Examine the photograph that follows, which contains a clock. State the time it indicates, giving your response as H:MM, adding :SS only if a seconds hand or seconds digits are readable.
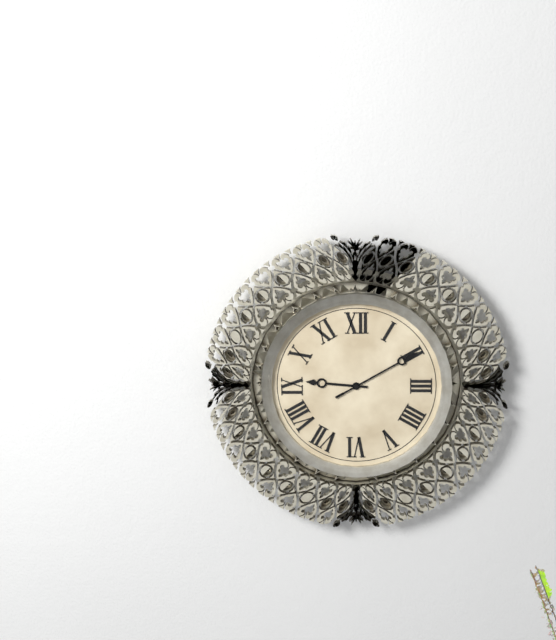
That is 9:10
